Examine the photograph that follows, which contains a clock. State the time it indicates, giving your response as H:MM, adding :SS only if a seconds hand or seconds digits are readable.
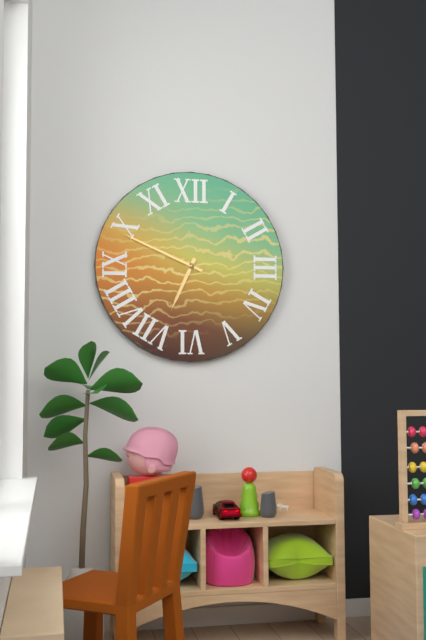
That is 6:49
